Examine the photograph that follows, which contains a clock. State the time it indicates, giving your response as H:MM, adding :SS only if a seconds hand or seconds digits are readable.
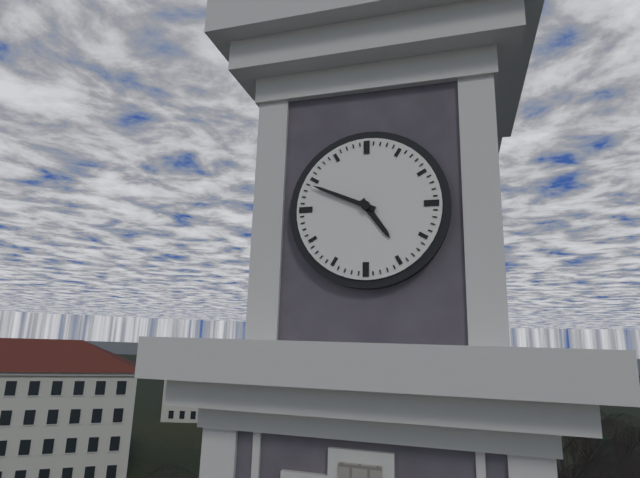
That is 4:49
